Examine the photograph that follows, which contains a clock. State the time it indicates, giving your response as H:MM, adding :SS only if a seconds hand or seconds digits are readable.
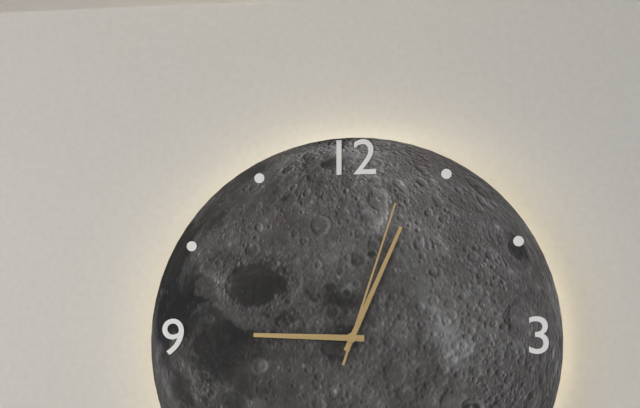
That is 9:04:03
